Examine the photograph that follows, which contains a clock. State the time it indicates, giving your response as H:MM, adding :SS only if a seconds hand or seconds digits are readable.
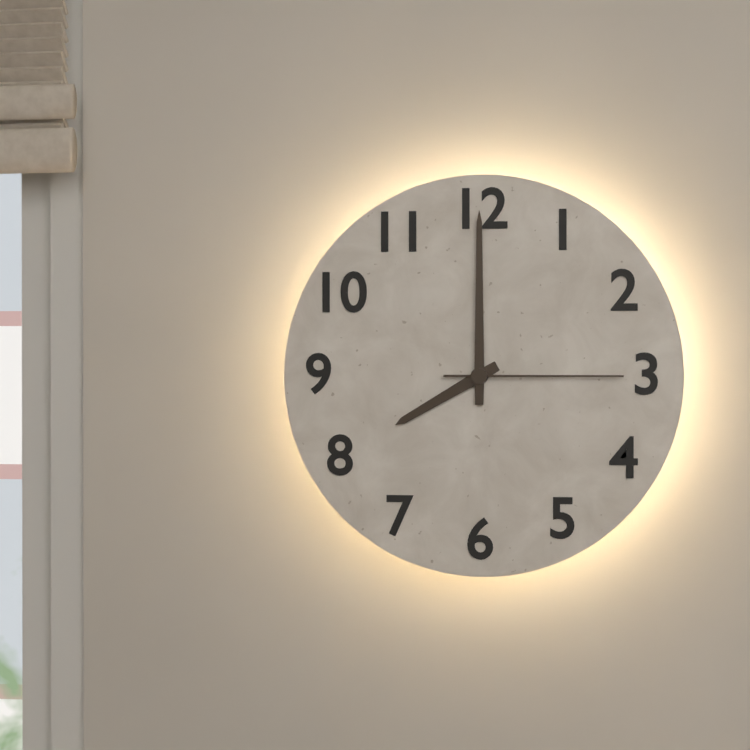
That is 8:00:15
